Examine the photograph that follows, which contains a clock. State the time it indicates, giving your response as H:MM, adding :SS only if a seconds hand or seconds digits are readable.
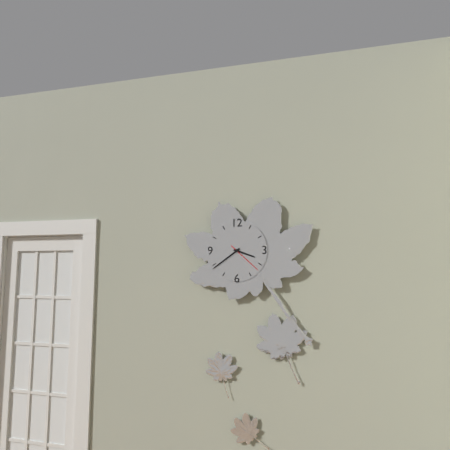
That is 3:39
